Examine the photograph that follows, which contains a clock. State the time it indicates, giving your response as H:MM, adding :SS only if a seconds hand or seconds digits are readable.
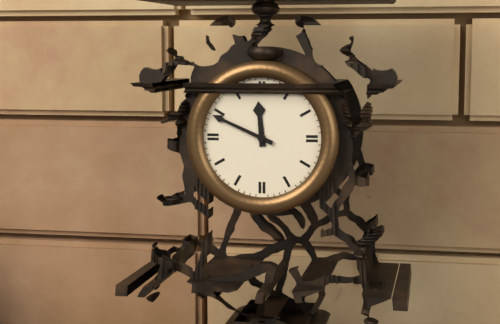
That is 11:49
